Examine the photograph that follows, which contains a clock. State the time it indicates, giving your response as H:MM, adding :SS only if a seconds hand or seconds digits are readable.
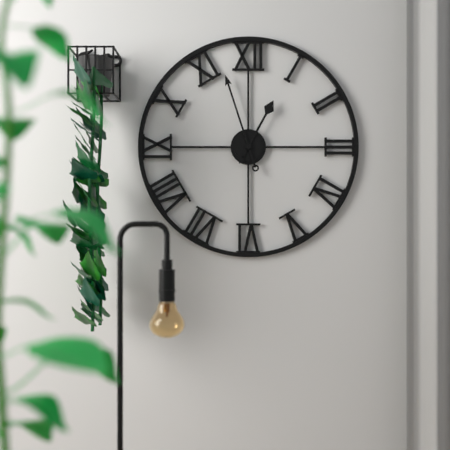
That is 12:57
